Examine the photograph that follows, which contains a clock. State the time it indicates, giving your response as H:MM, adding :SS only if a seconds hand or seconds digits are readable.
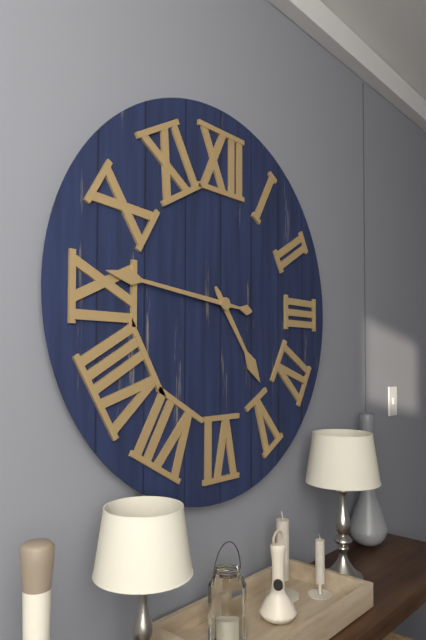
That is 4:46
